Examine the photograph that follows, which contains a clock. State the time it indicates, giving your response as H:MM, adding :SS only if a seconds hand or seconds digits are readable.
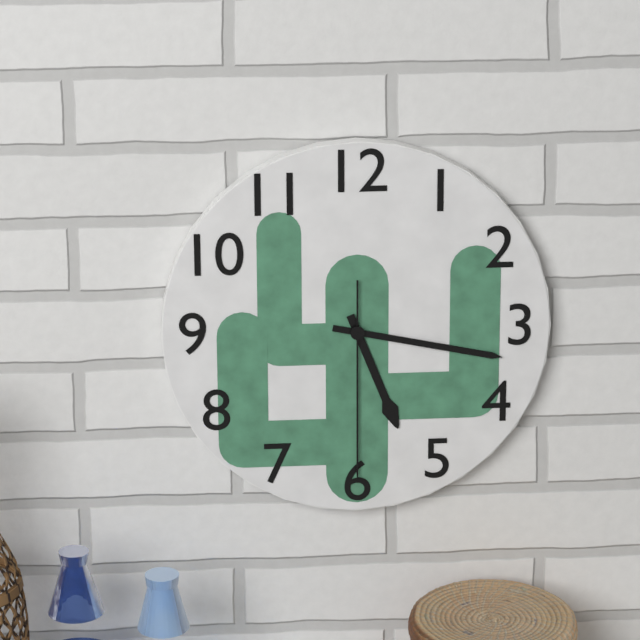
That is 5:17:30
